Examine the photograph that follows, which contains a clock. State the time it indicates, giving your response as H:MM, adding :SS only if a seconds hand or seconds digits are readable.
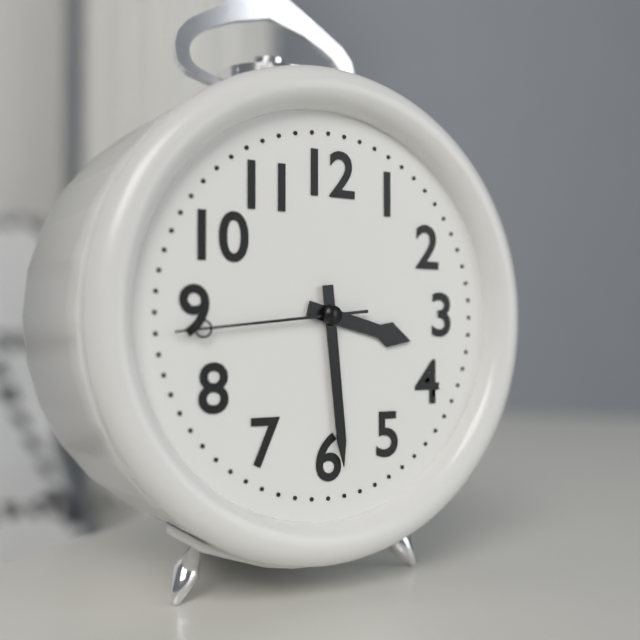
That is 3:29:44
